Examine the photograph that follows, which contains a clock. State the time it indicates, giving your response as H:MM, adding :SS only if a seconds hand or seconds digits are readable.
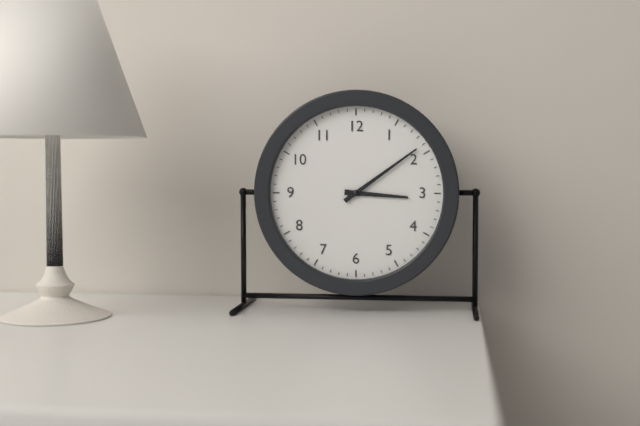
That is 3:09
